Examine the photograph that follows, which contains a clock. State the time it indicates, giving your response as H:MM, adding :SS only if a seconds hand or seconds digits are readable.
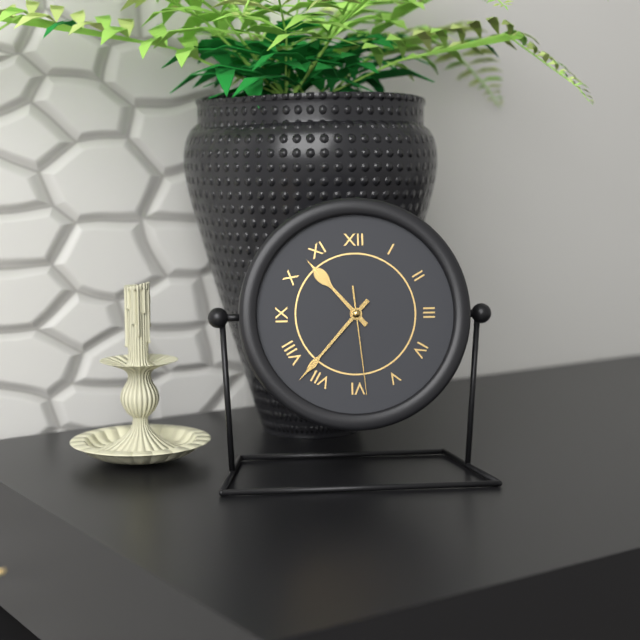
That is 10:37:29
